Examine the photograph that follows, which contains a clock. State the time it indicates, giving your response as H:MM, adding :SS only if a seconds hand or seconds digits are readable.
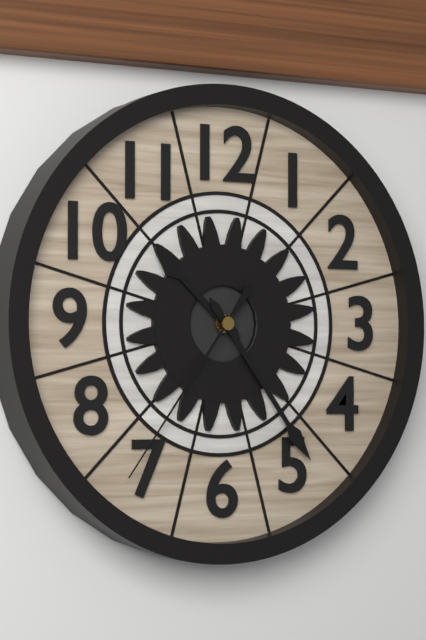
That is 10:24:36
